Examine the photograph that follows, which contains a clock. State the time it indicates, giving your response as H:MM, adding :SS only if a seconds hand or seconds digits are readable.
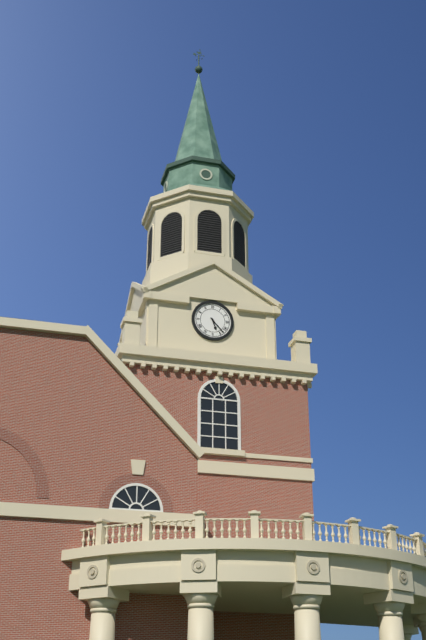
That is 5:23
